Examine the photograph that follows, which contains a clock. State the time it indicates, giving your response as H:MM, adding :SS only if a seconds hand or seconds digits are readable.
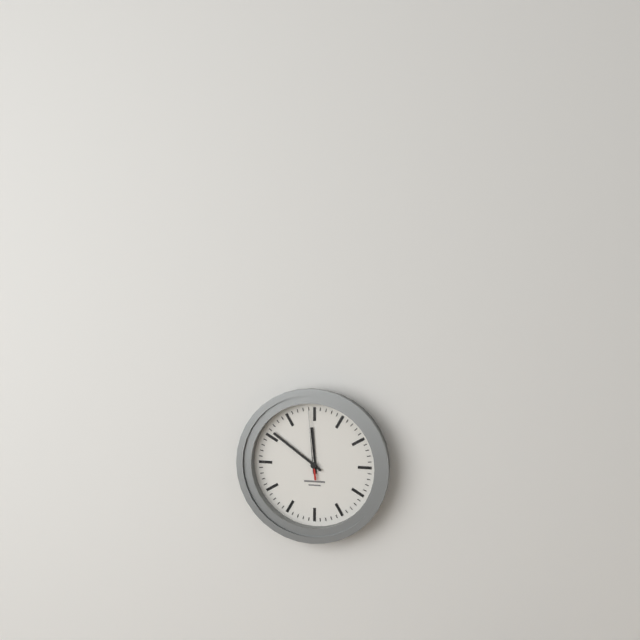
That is 11:51:59
